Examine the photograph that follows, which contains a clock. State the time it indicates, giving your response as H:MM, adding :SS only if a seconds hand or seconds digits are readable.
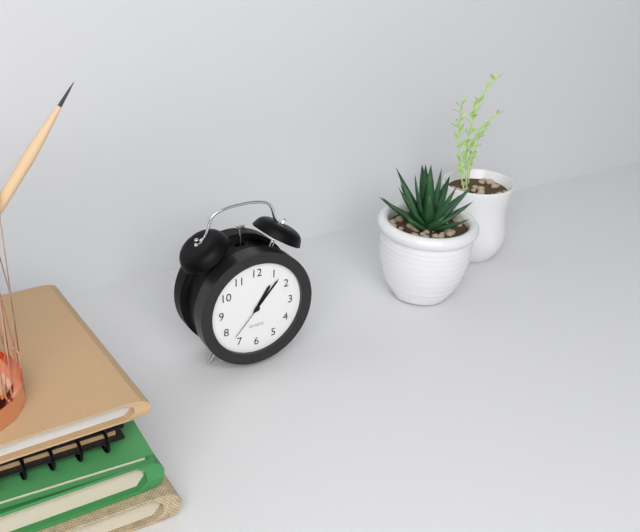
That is 1:07
